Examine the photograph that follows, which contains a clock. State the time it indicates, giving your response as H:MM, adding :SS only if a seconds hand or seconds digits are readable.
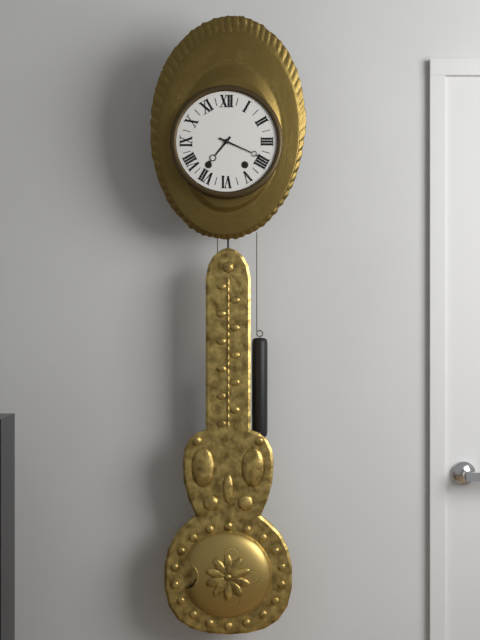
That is 7:19
